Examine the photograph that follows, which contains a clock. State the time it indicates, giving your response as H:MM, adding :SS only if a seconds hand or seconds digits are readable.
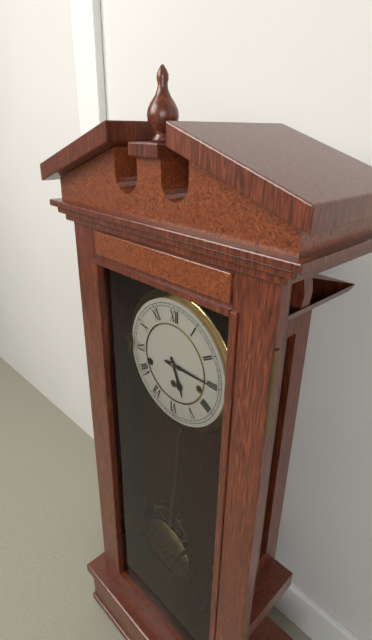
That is 5:15
